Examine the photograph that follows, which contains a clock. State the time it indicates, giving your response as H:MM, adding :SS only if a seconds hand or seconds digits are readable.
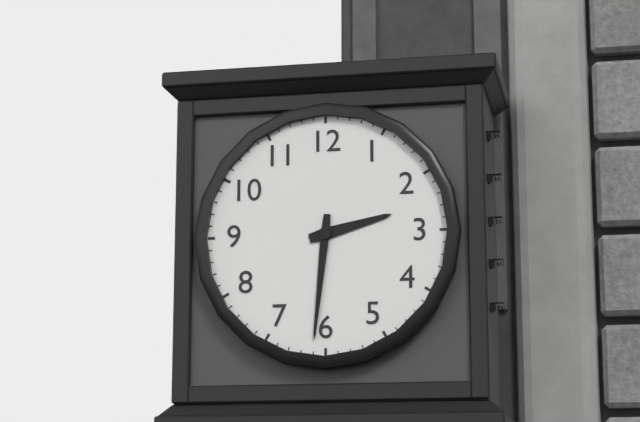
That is 2:31
